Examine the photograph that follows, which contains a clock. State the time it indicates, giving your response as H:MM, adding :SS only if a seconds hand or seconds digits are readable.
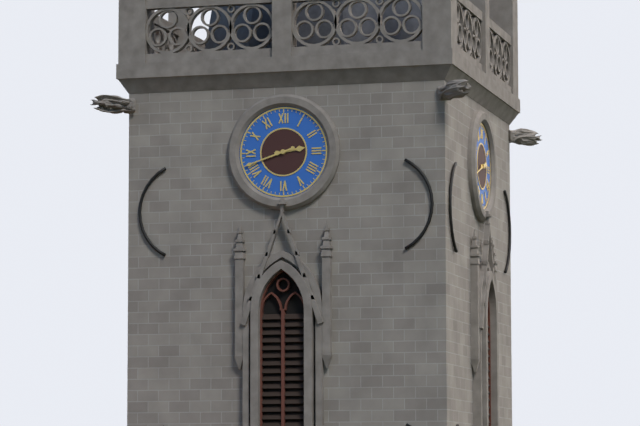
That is 2:42
